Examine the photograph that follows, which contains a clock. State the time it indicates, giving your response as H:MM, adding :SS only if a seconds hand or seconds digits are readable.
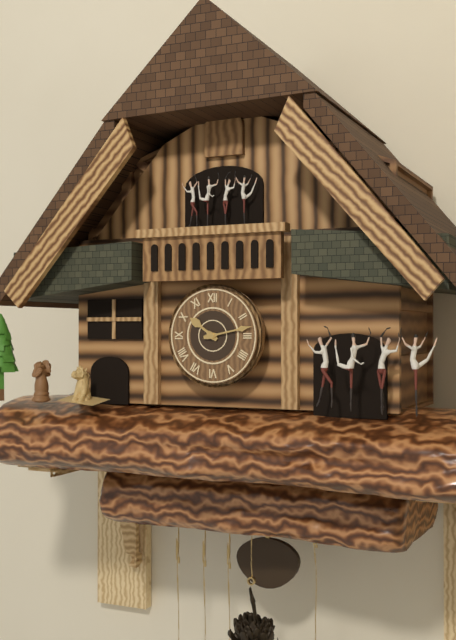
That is 10:13
